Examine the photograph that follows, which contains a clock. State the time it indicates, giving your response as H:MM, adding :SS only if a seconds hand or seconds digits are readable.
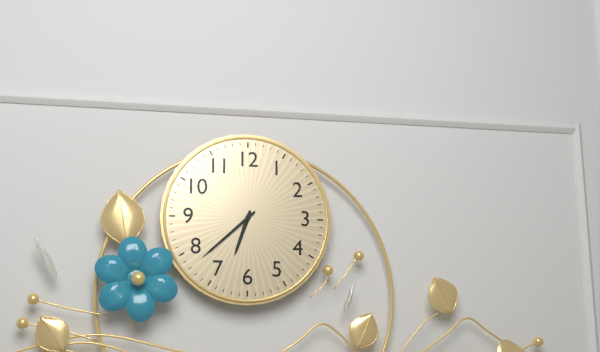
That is 6:38
